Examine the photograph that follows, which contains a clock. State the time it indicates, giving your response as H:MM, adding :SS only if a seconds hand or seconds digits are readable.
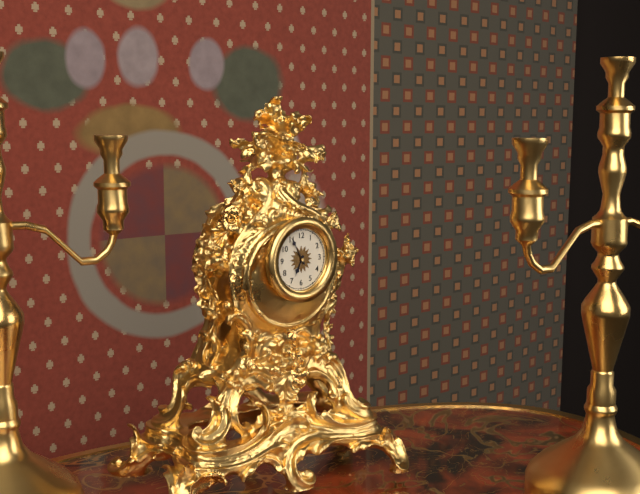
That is 6:55
